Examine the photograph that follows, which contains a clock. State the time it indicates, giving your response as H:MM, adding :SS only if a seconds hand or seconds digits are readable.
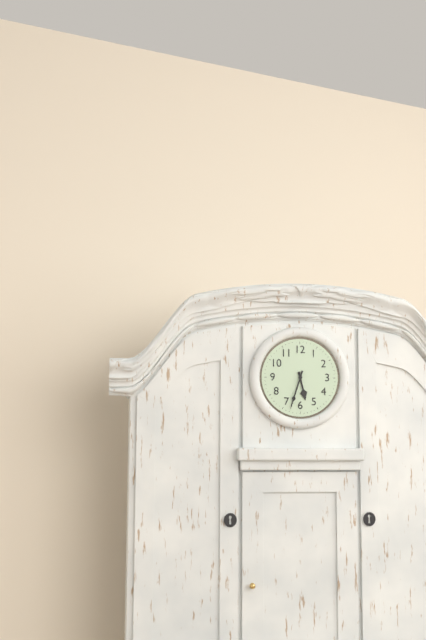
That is 5:33
